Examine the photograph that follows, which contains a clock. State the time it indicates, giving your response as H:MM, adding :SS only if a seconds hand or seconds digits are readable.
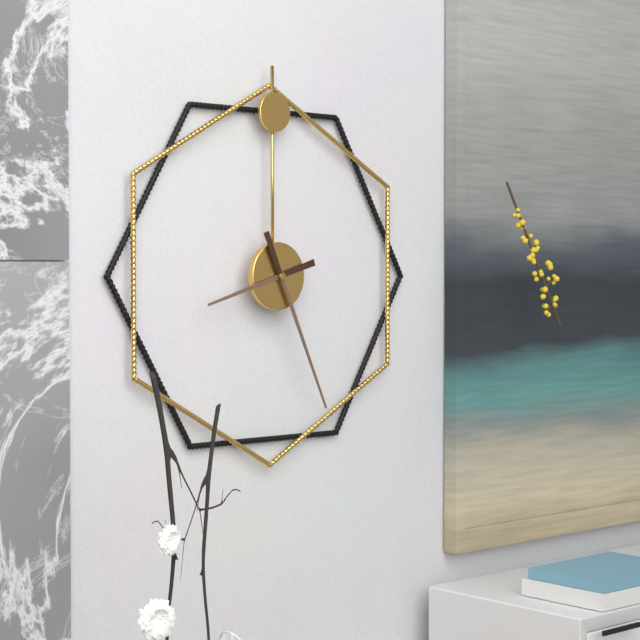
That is 8:26
